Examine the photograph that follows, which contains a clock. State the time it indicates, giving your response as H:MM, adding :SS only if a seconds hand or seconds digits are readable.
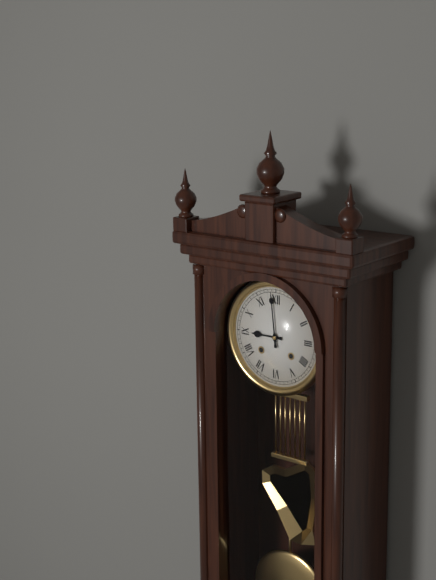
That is 8:59
